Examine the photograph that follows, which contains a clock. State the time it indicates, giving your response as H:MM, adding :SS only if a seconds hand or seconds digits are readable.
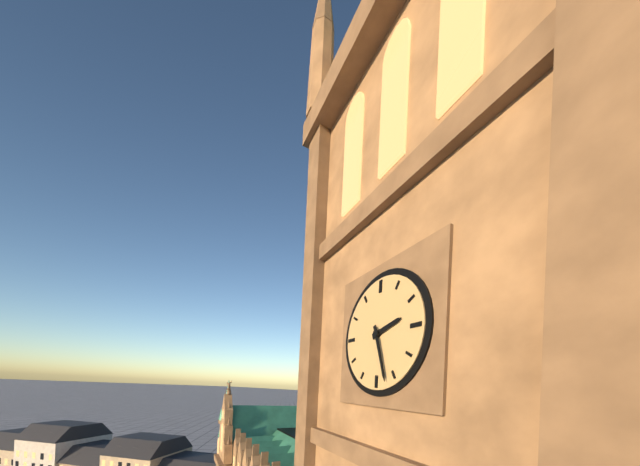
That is 2:27
